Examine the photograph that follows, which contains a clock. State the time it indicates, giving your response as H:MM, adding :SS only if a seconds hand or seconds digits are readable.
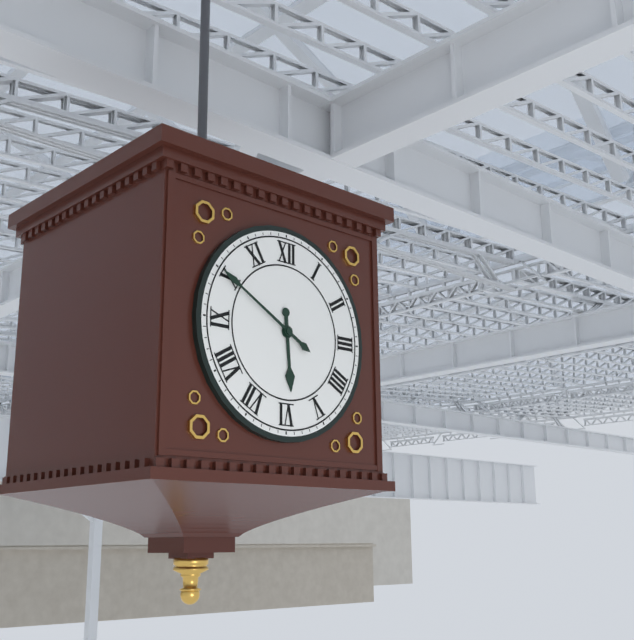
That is 5:50
